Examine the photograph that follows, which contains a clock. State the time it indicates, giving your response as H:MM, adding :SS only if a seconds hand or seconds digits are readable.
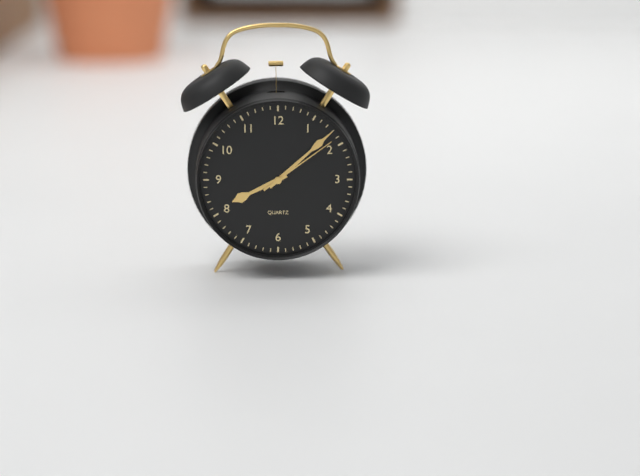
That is 8:08:09
